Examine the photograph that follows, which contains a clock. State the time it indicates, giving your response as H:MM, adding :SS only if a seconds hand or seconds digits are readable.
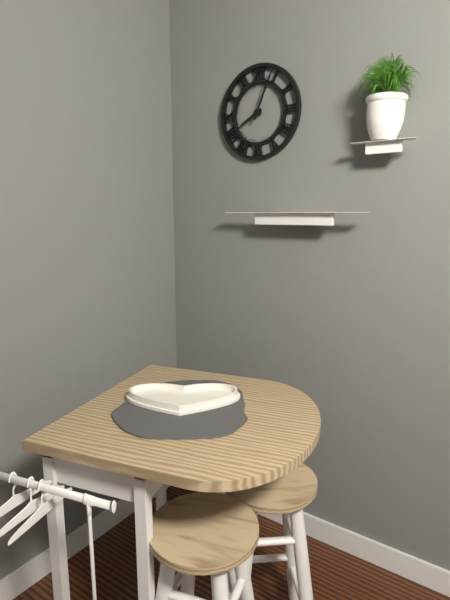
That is 8:04
